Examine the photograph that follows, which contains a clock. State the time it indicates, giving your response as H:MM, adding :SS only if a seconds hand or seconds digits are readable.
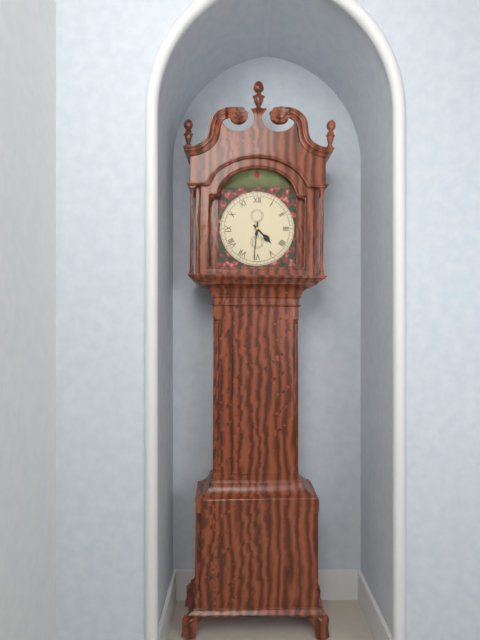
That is 4:31
